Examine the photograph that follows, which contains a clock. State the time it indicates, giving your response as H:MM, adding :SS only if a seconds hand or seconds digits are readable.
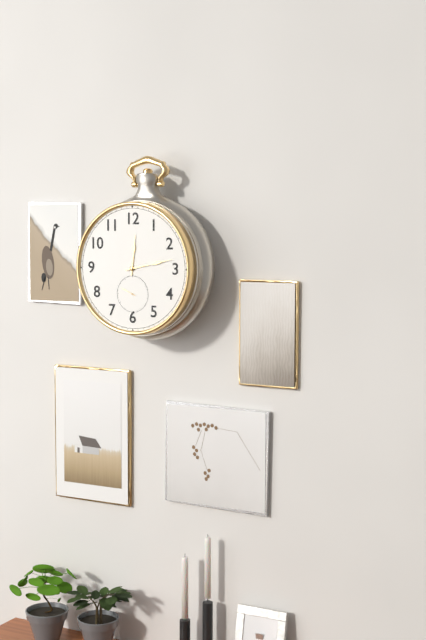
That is 12:13
